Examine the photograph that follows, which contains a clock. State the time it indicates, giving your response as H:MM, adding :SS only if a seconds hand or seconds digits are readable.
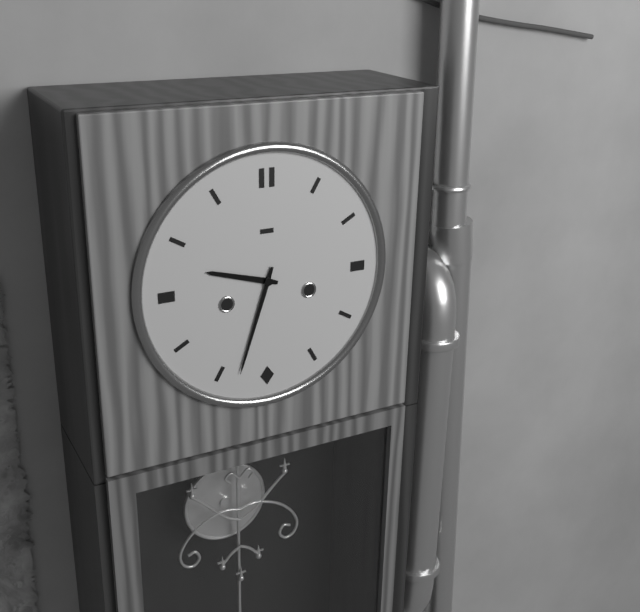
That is 9:33
